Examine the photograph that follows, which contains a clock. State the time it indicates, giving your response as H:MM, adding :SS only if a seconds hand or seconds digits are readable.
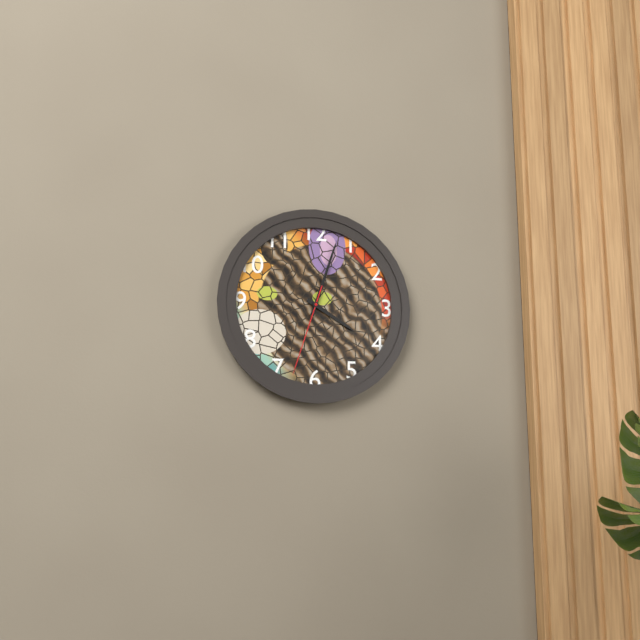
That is 4:03:33
